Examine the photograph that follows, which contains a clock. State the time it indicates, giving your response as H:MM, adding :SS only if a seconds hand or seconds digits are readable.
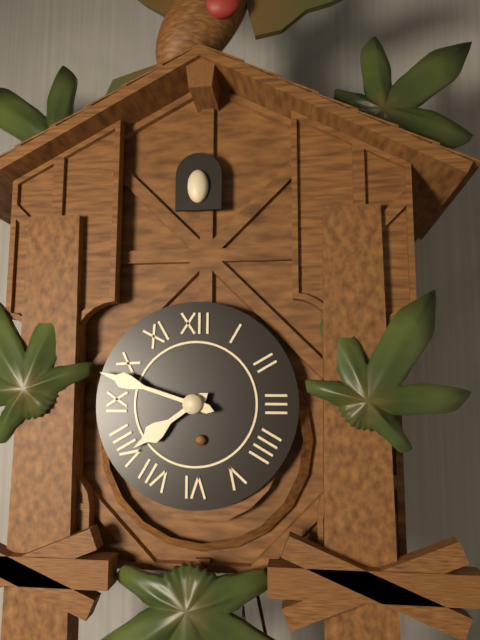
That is 7:48
